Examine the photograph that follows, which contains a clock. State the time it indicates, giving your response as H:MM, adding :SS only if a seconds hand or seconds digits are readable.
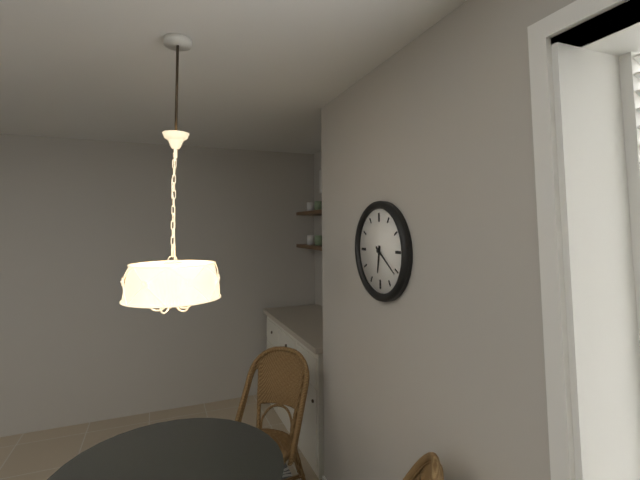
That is 6:21
